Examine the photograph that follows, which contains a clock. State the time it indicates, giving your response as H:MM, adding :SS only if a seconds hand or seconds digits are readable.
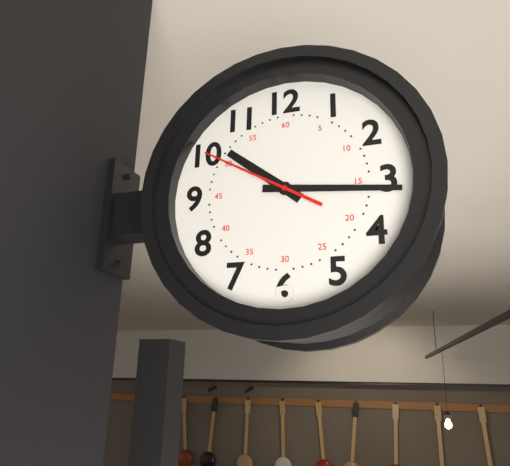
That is 10:16:50
